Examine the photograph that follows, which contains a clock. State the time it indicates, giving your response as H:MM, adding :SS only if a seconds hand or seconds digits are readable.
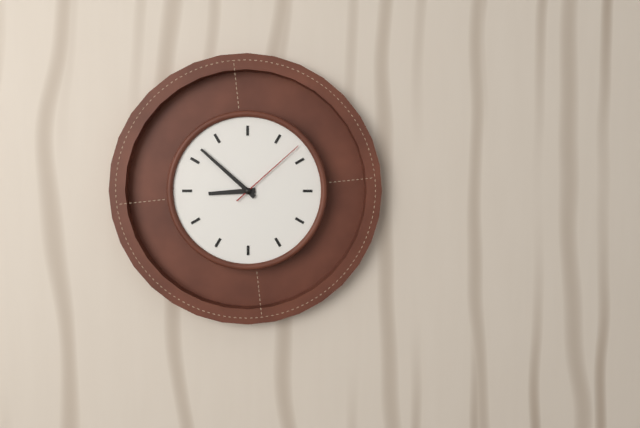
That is 8:52:08
